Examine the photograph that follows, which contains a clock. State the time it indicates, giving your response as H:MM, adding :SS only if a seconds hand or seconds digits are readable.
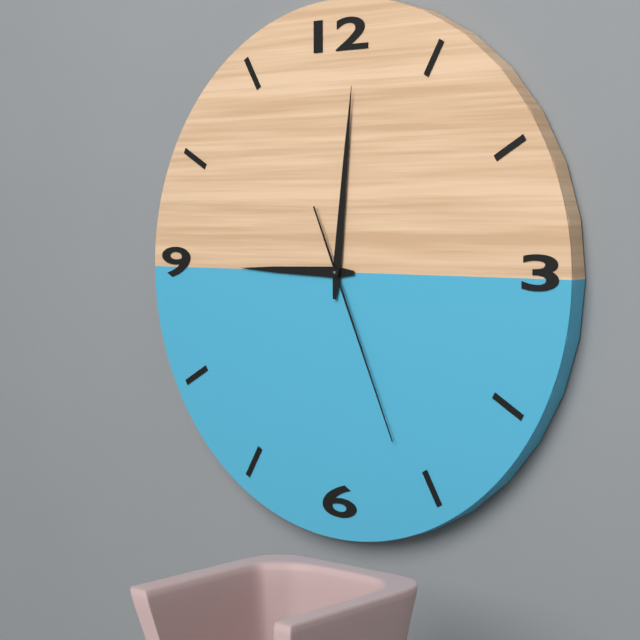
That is 9:01:26
